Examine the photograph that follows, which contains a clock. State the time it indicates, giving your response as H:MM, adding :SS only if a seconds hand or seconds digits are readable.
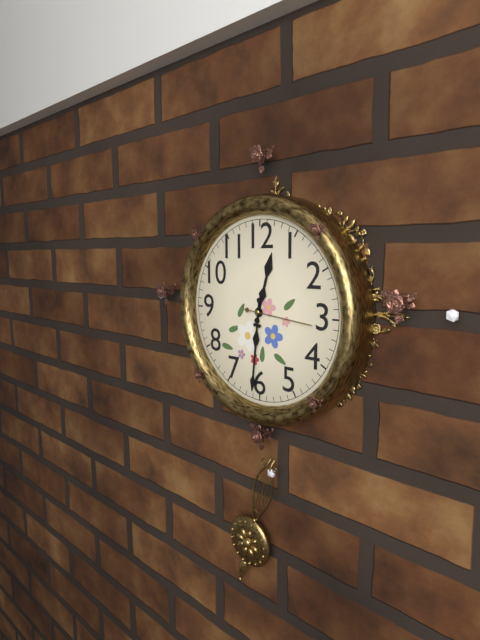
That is 12:31:16
